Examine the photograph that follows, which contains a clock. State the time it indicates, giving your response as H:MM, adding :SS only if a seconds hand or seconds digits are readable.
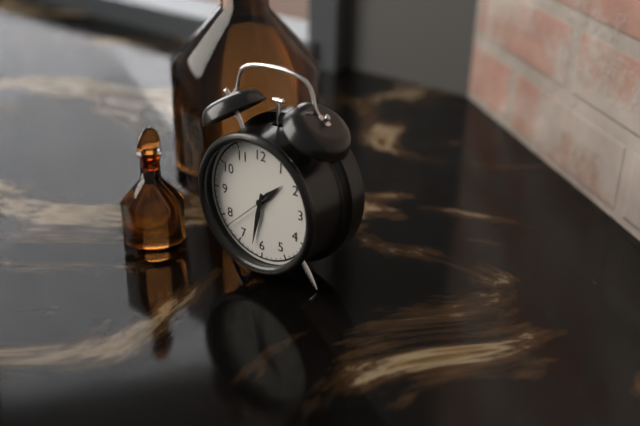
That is 1:32:38
